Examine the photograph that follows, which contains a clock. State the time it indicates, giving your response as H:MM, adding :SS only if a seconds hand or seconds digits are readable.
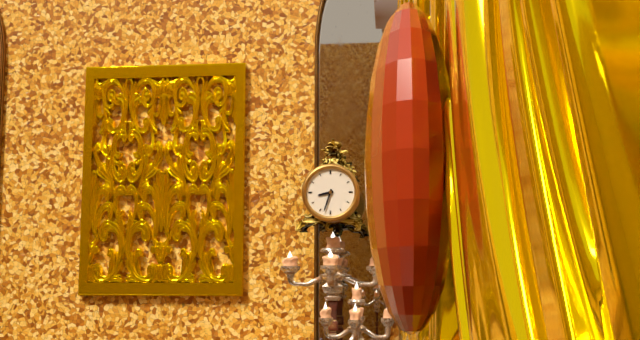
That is 8:33
